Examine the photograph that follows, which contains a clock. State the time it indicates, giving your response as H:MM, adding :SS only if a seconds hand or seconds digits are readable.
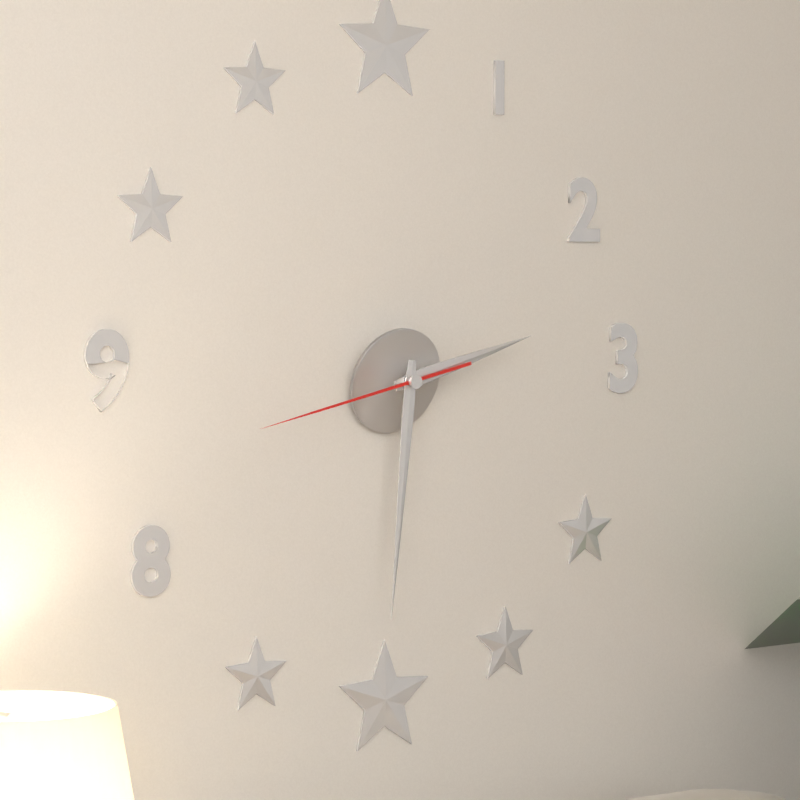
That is 2:31:43
